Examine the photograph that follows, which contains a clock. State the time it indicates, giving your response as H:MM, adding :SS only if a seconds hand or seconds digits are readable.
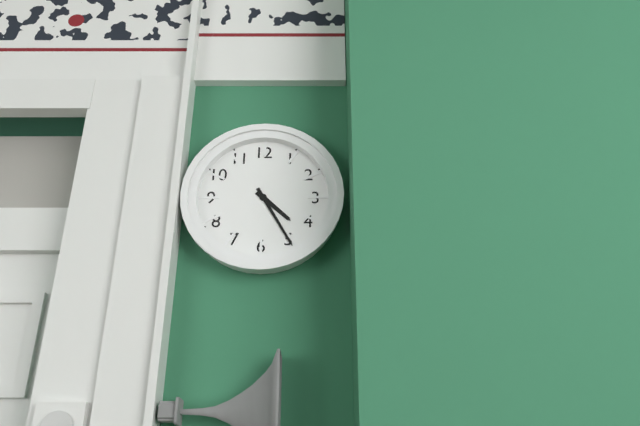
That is 4:25
